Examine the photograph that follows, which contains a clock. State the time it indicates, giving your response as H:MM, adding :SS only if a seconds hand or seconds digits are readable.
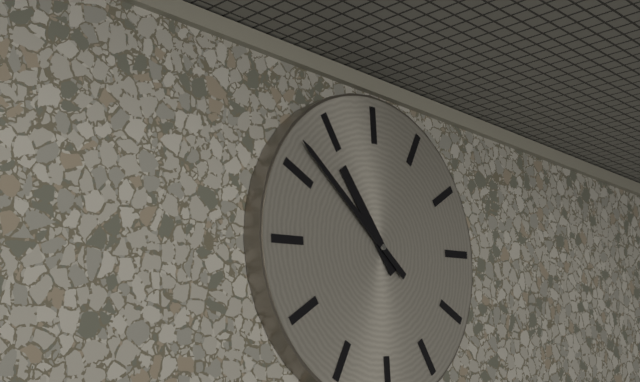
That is 10:52
